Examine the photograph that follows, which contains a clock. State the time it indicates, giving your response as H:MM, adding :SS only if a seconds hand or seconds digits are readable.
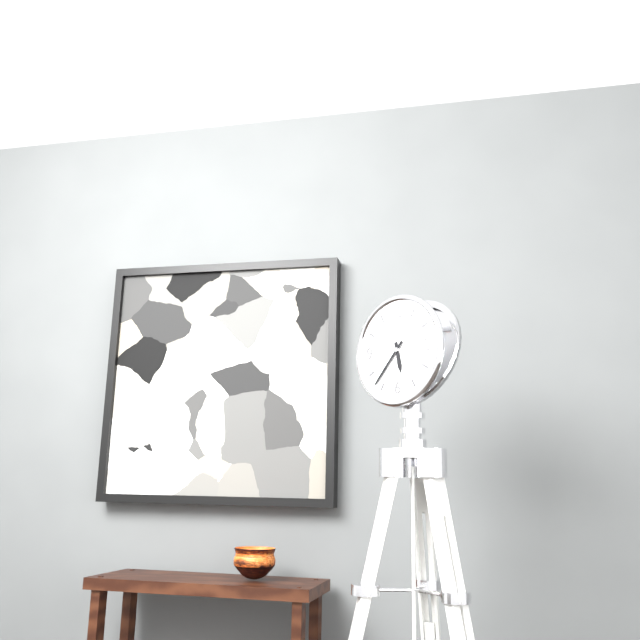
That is 5:37
